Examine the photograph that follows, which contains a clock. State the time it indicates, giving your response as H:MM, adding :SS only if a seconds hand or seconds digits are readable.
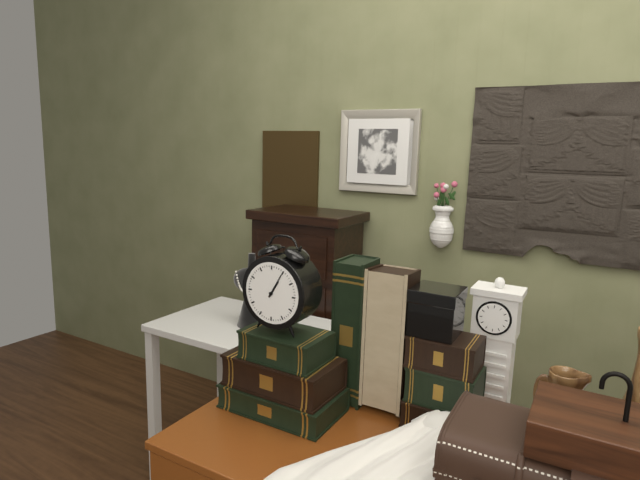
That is 1:05
